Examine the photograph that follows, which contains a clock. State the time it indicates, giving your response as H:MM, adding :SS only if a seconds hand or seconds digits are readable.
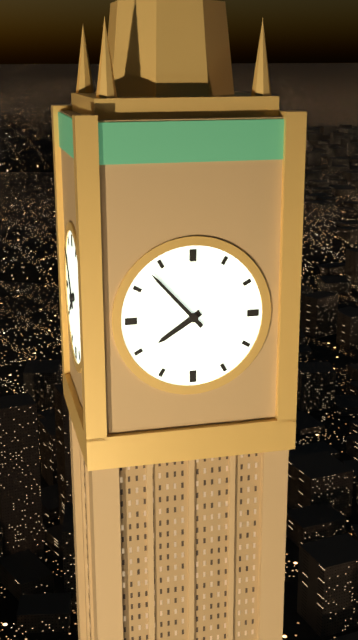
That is 7:53
